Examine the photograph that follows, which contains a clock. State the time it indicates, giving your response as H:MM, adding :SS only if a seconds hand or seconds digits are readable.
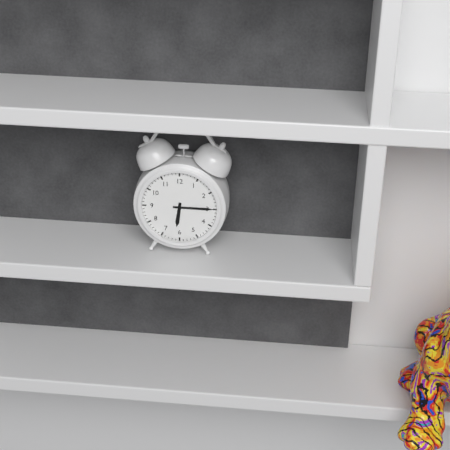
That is 6:15
